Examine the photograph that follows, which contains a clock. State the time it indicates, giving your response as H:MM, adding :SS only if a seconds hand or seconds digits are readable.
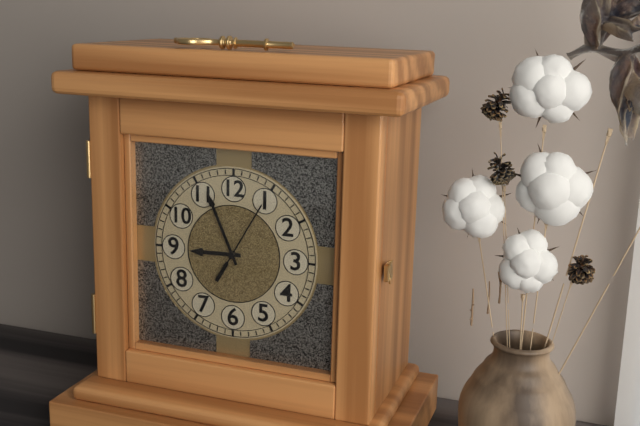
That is 8:56:05
